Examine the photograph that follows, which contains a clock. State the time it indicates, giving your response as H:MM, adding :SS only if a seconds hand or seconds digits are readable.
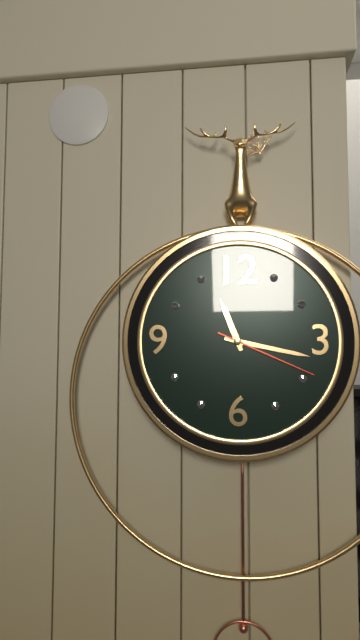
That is 11:17:19
